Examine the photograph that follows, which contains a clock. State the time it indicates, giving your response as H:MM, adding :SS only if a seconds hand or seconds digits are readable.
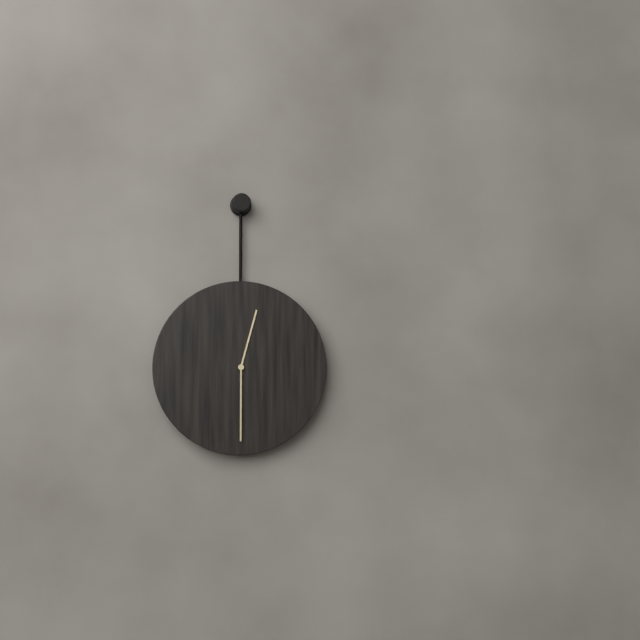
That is 12:30
